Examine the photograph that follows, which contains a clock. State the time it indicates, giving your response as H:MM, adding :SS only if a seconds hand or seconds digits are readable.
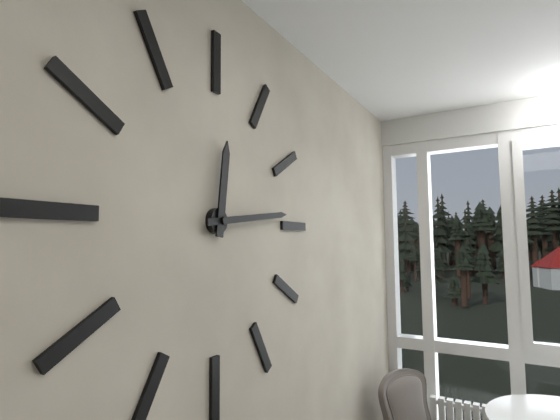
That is 12:14
